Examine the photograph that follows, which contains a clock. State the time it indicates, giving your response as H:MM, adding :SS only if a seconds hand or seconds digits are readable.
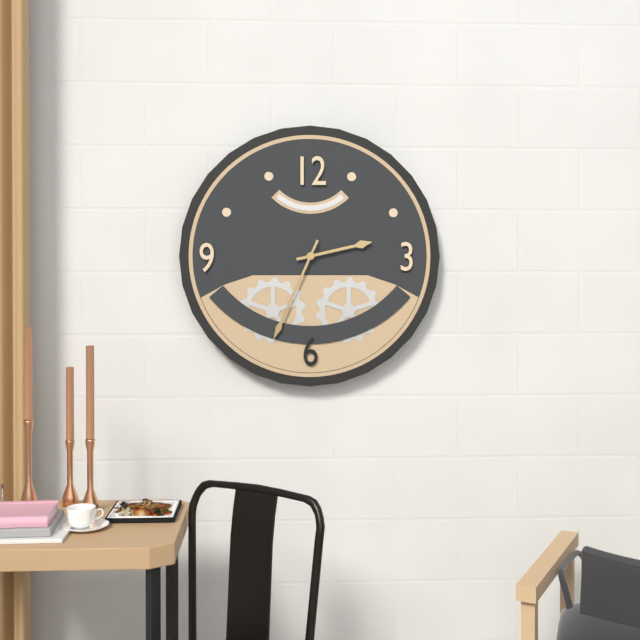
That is 2:34
